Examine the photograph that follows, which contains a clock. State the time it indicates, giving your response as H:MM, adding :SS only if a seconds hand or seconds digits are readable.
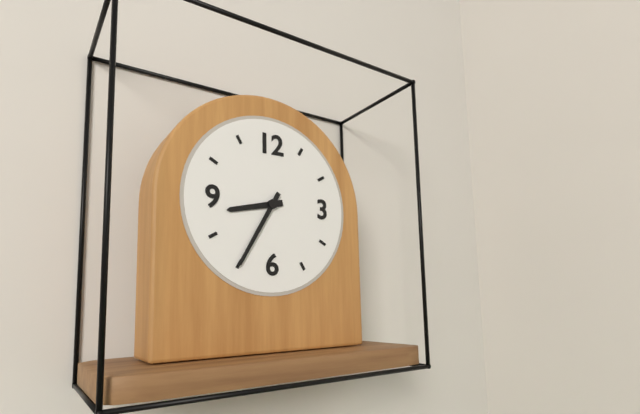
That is 8:35
